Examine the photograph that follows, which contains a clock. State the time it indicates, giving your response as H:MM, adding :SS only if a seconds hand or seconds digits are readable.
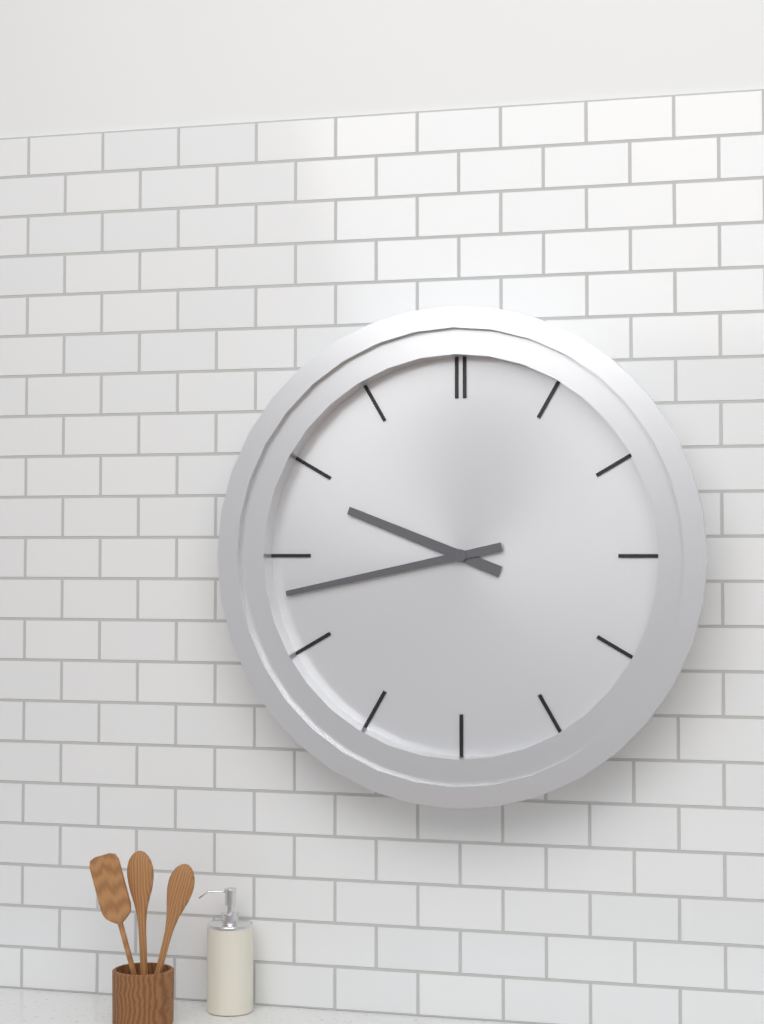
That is 9:43
